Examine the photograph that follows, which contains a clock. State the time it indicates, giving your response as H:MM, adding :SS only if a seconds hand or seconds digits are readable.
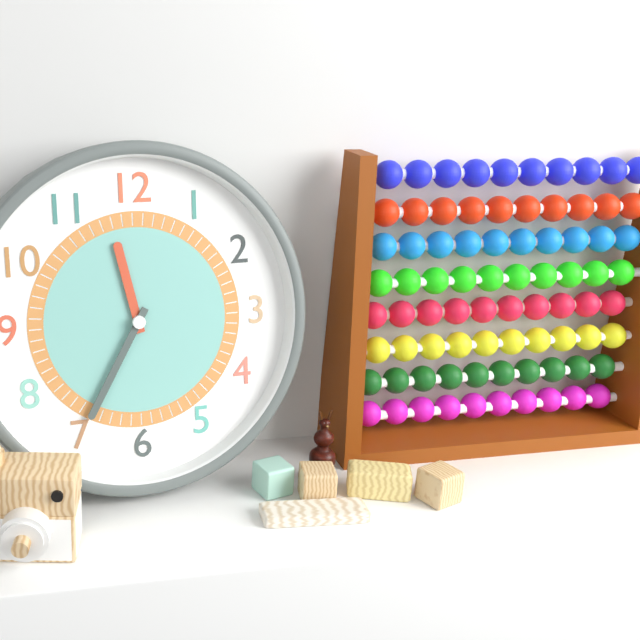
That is 11:35
